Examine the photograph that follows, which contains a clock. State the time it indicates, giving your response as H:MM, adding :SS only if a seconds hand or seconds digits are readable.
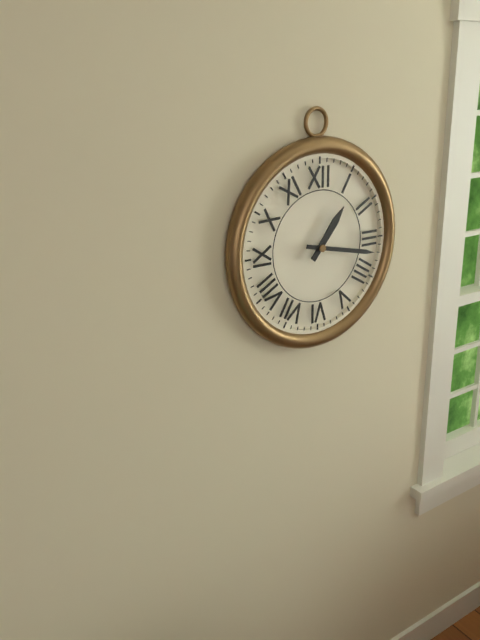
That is 1:17
